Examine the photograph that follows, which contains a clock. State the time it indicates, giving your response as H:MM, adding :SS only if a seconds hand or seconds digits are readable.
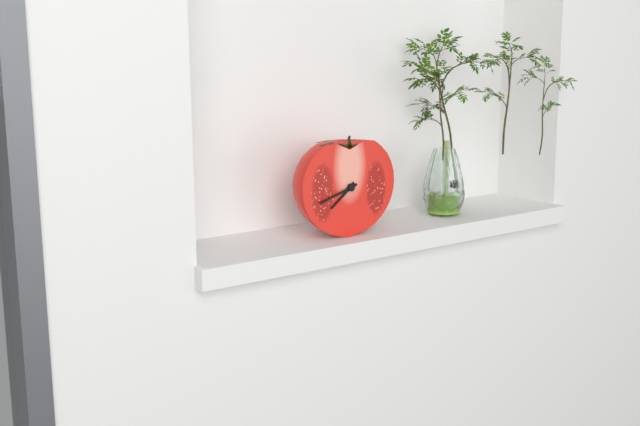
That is 7:42
